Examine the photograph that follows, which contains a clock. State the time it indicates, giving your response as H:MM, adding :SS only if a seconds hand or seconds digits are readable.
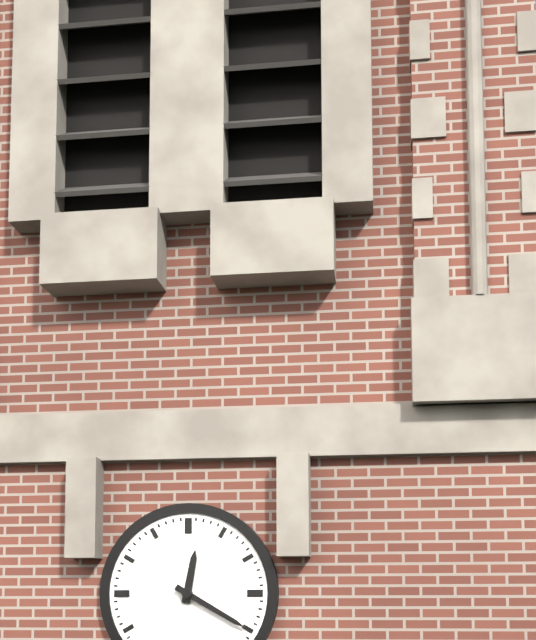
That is 12:20
